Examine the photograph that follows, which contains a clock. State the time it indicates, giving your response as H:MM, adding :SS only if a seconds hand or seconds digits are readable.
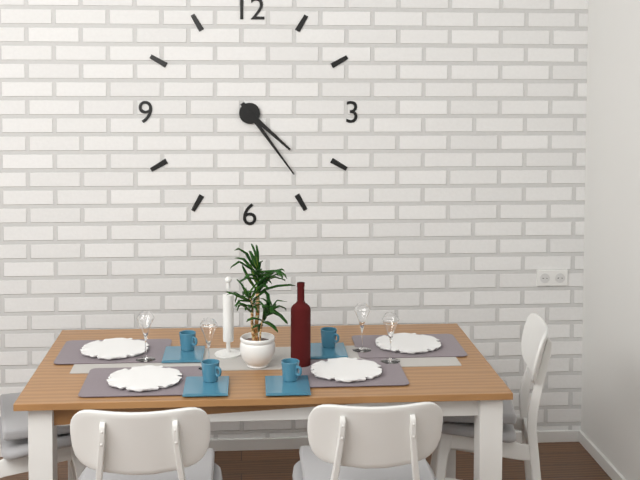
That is 4:24
